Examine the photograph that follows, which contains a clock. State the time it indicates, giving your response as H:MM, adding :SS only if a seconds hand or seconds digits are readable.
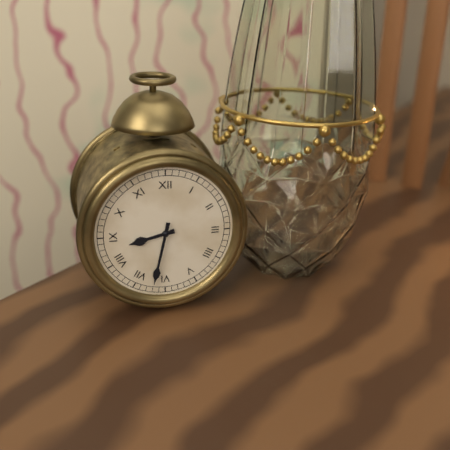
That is 8:32
